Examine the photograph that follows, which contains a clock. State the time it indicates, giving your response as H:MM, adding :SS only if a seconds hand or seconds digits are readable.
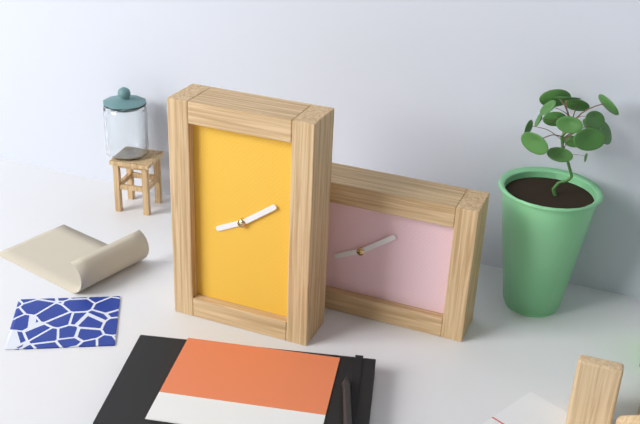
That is 8:09
